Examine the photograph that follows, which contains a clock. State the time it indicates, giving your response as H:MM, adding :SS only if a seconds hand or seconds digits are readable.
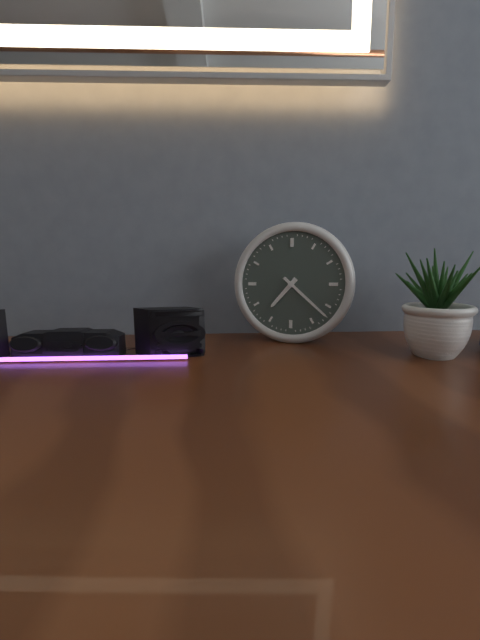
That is 7:22
